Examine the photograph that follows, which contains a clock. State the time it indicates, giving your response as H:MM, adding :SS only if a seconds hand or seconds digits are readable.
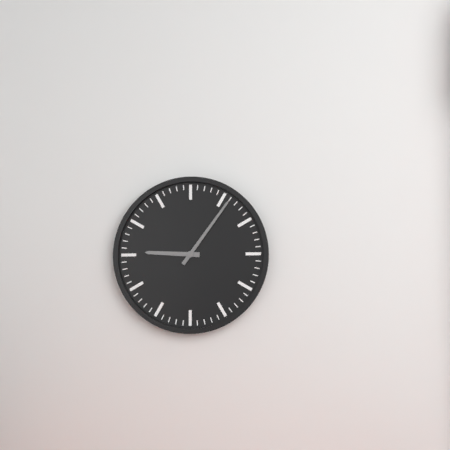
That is 9:06
